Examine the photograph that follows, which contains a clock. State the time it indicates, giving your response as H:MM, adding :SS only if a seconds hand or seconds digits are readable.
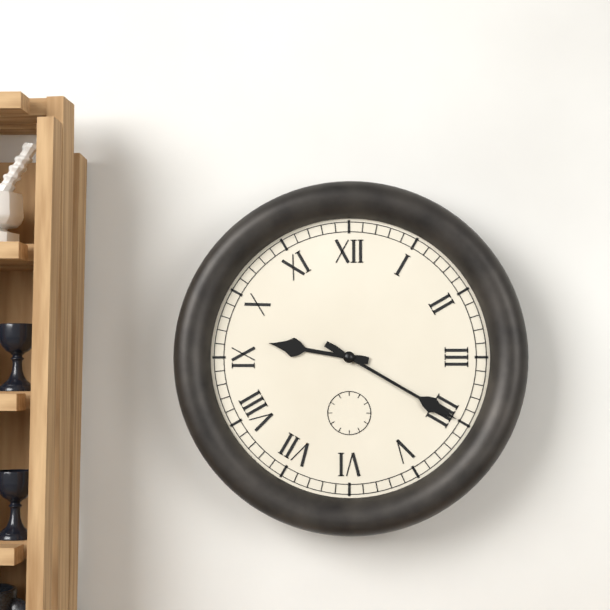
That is 9:20
